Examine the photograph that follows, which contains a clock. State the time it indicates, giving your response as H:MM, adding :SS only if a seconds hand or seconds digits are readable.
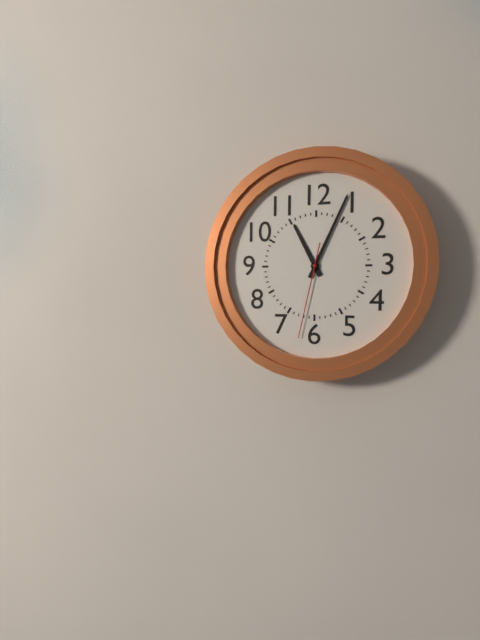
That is 11:04:32
